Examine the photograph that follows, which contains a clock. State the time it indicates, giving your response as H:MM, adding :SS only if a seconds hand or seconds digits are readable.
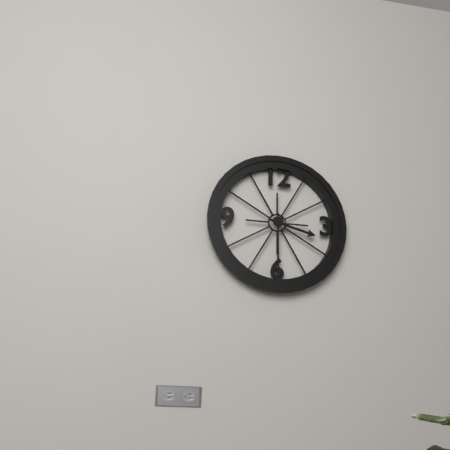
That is 3:30
